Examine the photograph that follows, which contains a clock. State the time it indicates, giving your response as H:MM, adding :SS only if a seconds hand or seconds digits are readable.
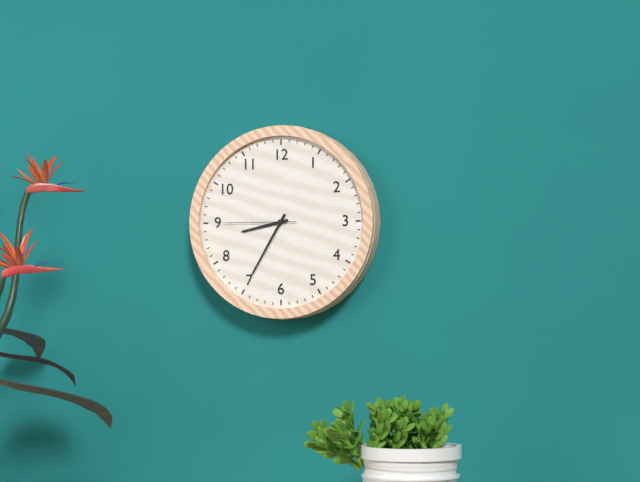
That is 8:35:45
